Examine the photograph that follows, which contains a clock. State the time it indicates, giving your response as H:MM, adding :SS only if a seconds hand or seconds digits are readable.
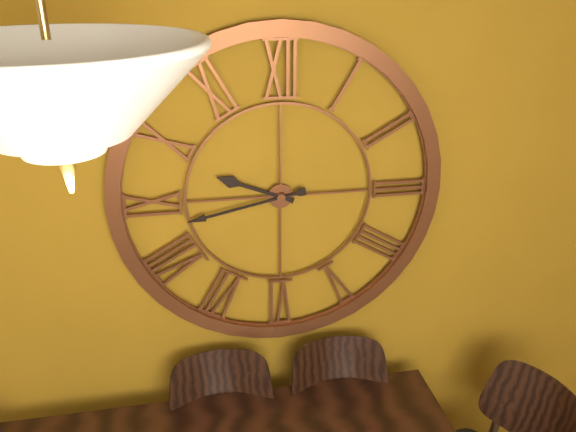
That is 9:43
